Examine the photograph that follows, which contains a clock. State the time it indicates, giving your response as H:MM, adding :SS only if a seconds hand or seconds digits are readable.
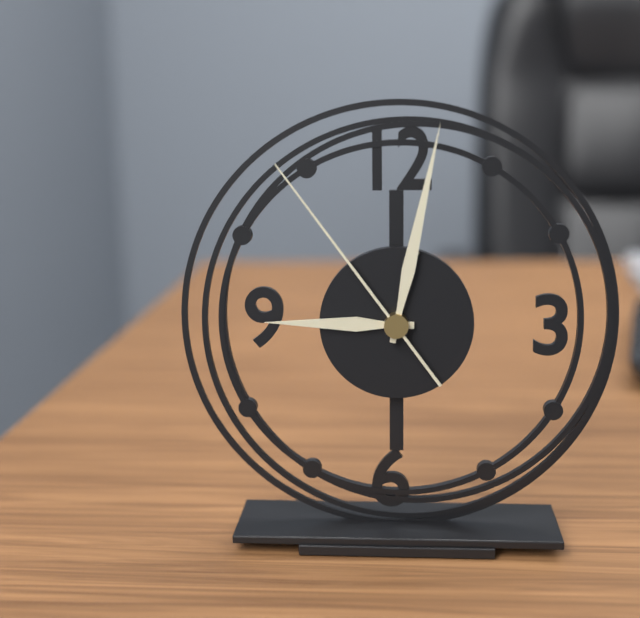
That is 9:02:54
